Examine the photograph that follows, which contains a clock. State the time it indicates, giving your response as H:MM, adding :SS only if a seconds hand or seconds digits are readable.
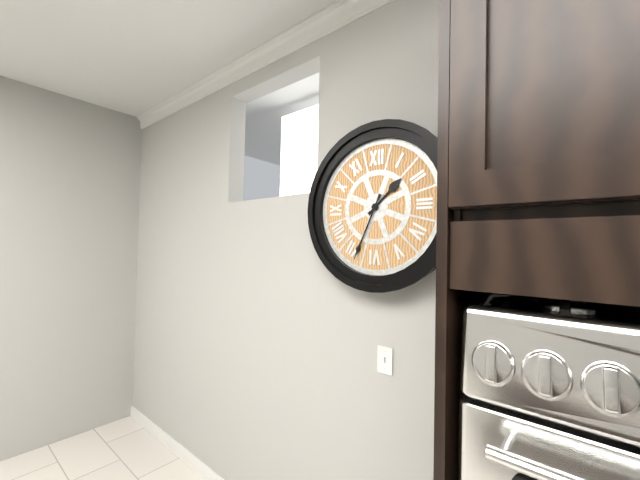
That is 1:34
